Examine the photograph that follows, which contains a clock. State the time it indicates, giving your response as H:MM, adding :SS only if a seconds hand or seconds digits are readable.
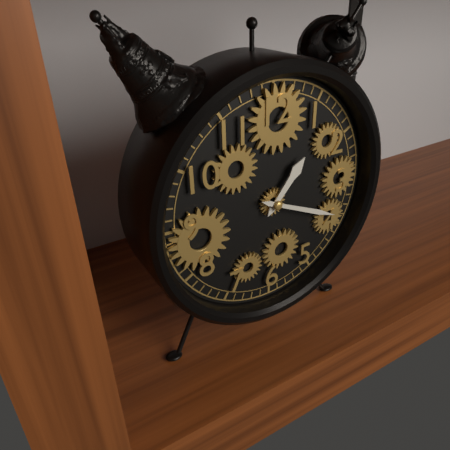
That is 1:19
